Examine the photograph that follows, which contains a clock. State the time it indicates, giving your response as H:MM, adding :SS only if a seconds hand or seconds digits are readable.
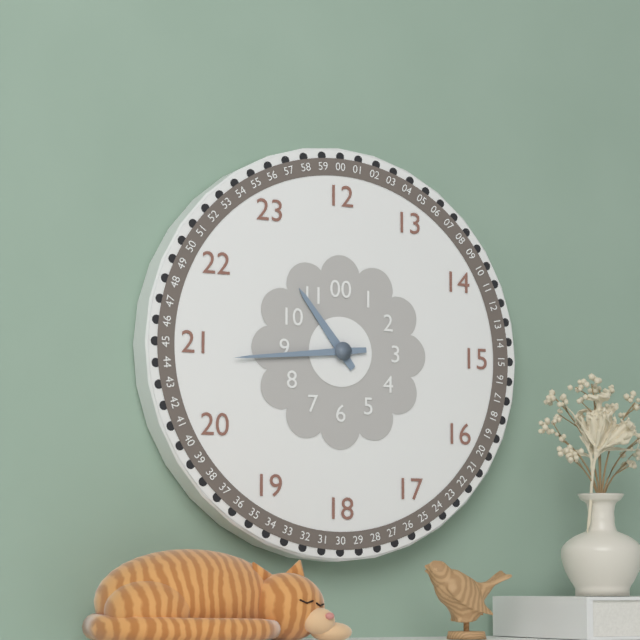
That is 10:44
